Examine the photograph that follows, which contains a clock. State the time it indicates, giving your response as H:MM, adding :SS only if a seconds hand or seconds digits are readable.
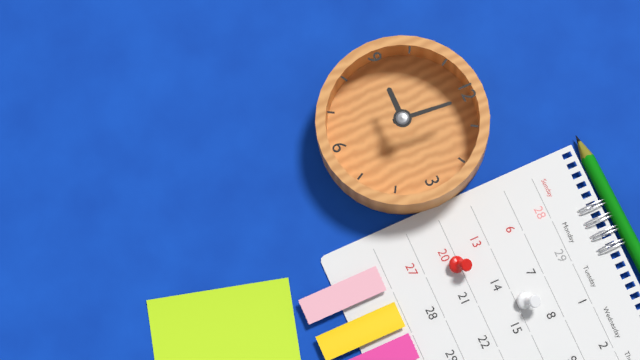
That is 9:01
